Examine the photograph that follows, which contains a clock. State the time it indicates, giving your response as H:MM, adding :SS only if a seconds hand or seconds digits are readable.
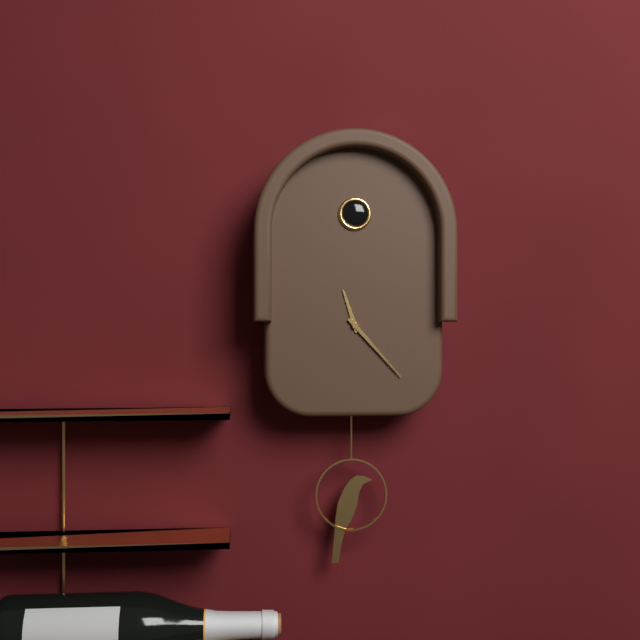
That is 11:23
